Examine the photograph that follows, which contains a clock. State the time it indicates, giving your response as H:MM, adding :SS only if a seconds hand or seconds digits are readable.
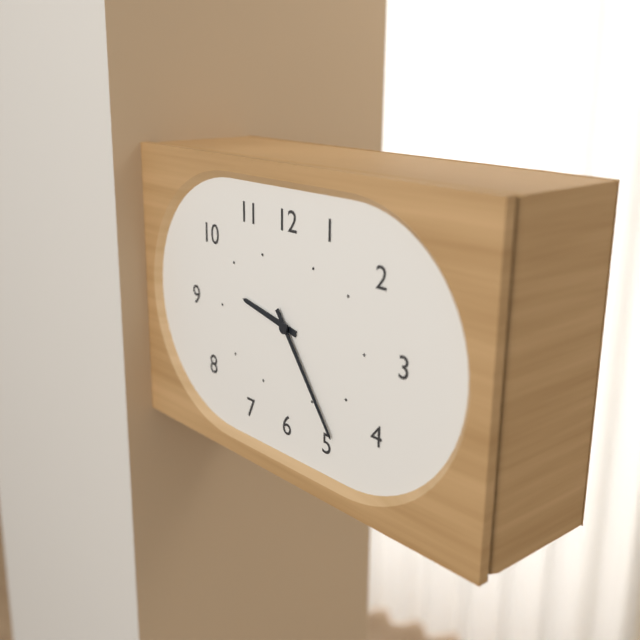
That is 9:24
